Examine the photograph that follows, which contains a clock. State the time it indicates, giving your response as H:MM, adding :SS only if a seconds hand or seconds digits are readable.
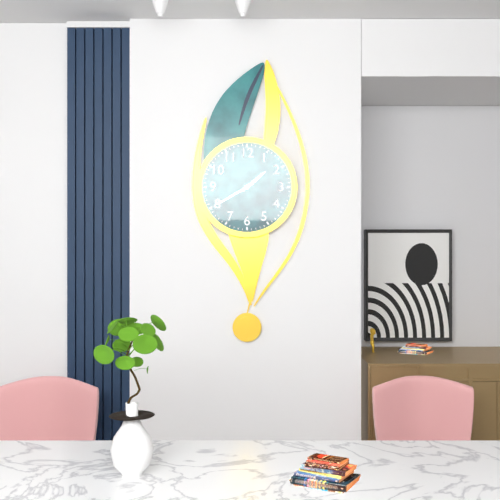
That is 1:40
